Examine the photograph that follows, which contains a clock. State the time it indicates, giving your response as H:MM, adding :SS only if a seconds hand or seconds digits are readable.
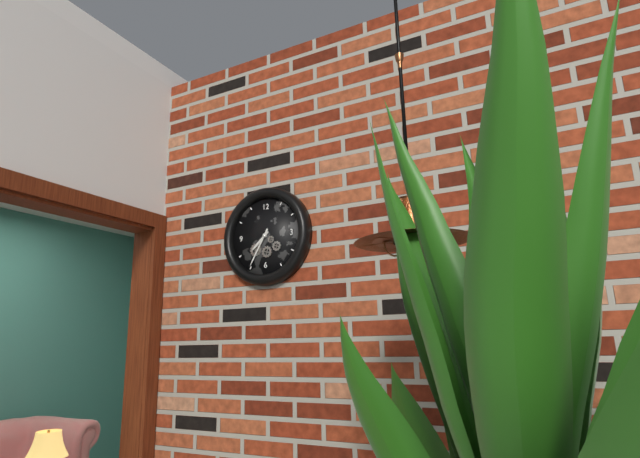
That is 7:35
